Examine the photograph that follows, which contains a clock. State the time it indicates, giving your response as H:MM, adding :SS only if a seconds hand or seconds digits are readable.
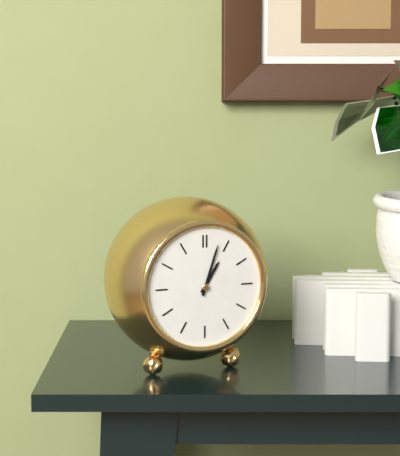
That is 1:03
